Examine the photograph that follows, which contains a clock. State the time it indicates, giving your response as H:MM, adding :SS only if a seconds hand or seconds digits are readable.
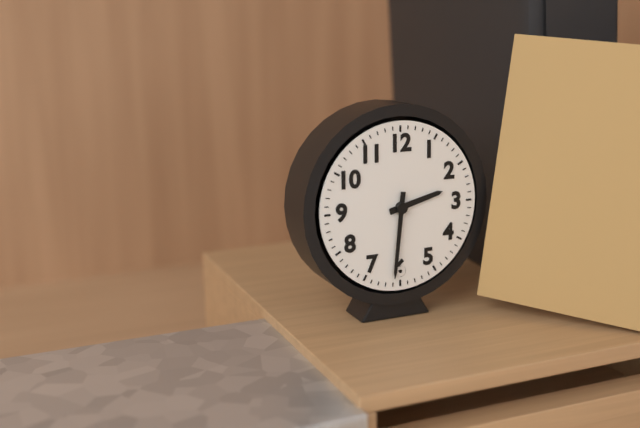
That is 2:31
